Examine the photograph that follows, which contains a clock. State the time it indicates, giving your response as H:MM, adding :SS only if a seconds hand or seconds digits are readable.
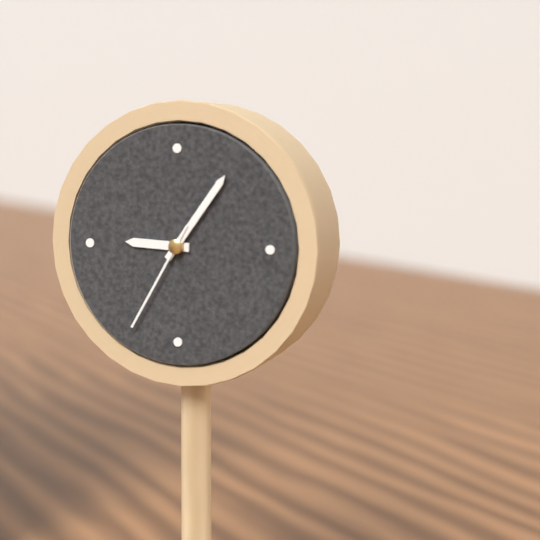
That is 9:06:35
